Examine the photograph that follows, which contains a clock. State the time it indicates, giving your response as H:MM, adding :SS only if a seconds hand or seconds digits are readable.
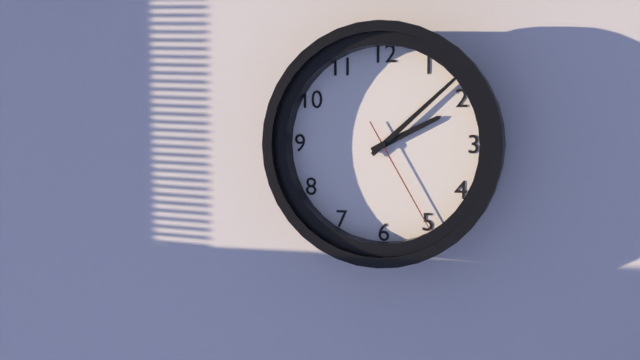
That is 2:08:25
